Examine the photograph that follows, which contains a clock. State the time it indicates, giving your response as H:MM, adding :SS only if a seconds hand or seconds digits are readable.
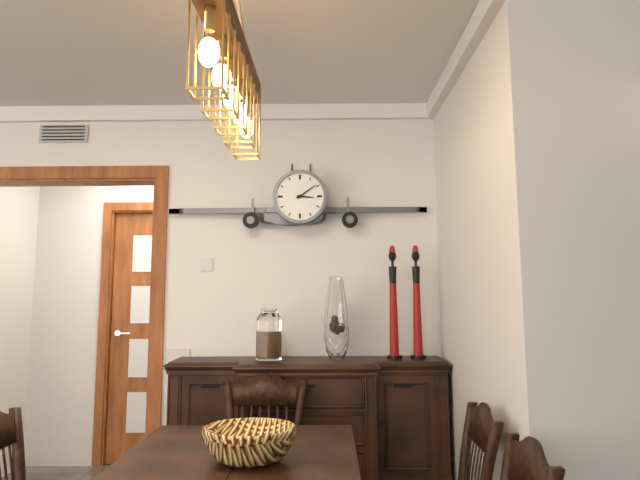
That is 3:09
